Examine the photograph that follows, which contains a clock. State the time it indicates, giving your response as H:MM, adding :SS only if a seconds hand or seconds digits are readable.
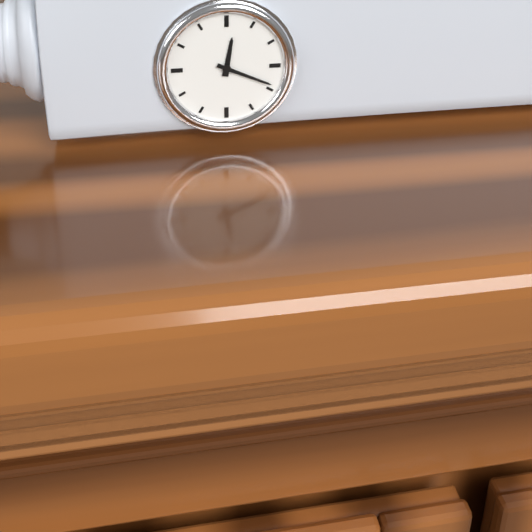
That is 12:19
